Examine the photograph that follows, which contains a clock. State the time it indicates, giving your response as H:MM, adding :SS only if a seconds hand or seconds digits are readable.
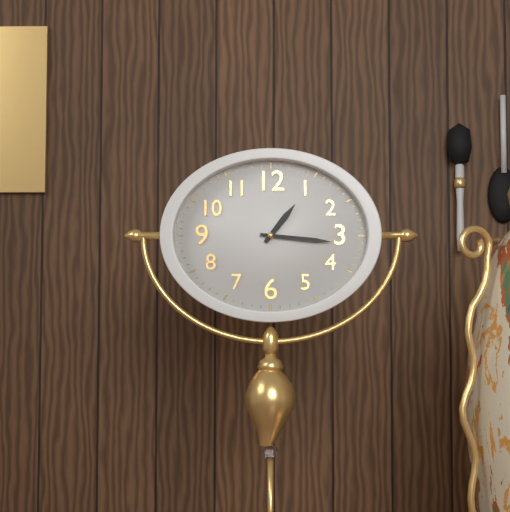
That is 1:16
